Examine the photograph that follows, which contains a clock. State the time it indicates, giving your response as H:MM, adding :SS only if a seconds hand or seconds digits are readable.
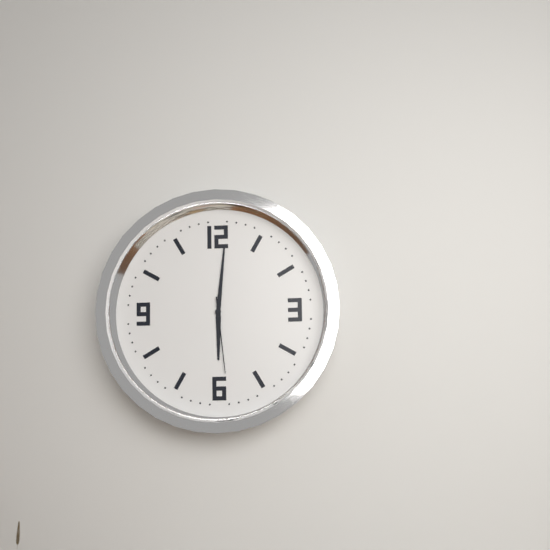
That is 6:01:29
